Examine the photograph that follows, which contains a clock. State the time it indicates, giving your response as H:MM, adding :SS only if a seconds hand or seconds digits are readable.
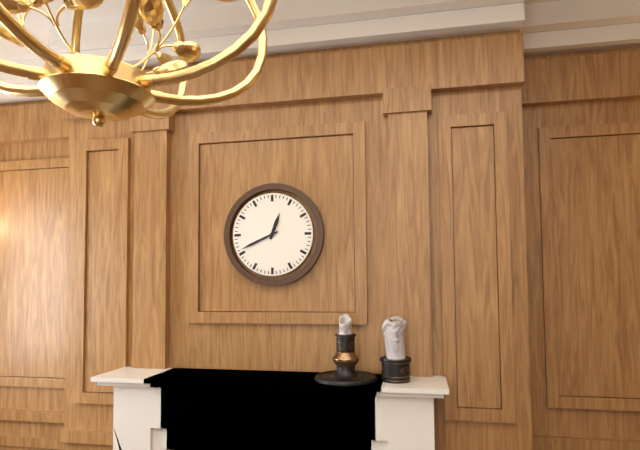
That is 12:41
